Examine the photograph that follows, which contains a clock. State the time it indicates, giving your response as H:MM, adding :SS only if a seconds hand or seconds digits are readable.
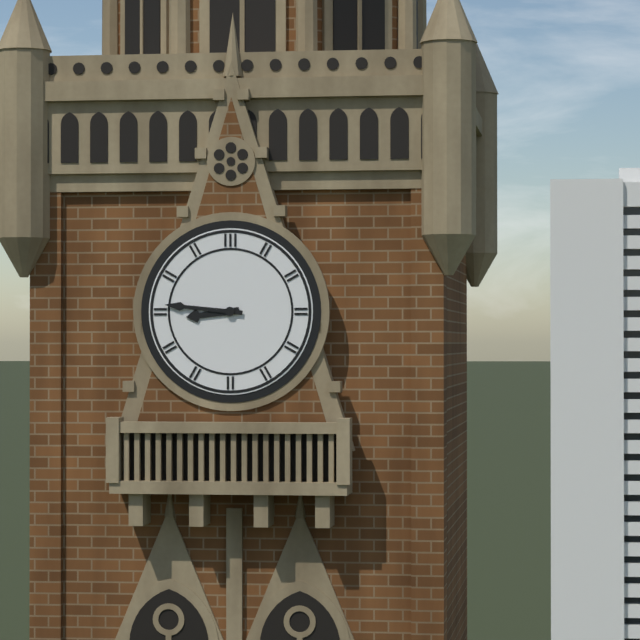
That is 8:46
